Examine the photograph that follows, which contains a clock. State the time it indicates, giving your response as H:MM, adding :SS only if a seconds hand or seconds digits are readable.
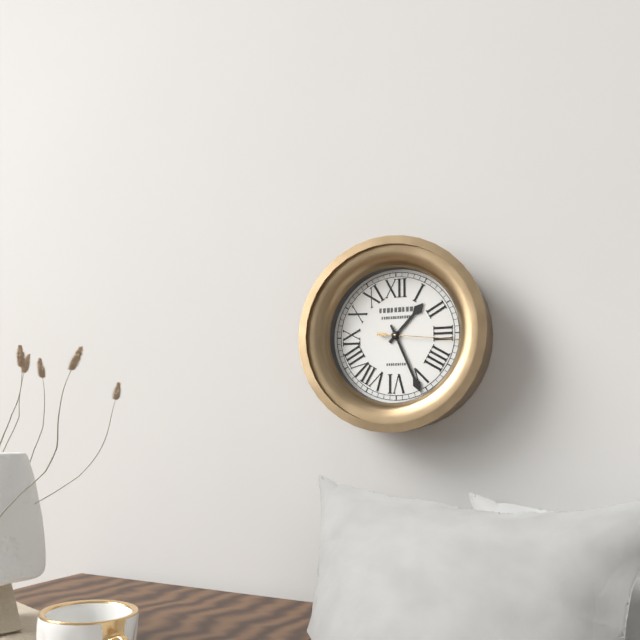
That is 1:26:16
